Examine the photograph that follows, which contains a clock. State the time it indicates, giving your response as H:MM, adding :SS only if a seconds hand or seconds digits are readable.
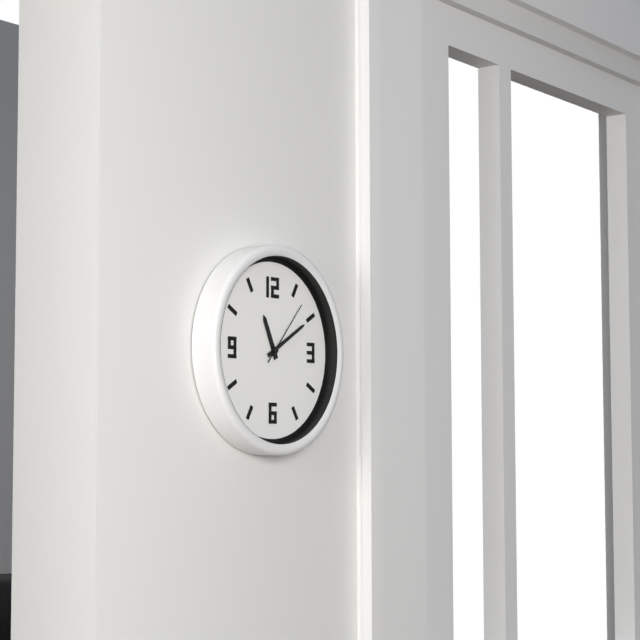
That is 11:10:07
